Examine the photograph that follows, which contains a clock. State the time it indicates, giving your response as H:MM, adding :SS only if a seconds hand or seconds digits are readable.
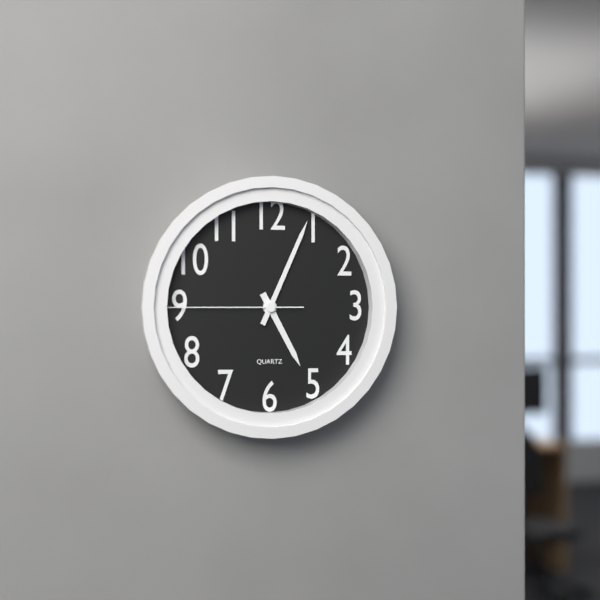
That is 5:04:45
